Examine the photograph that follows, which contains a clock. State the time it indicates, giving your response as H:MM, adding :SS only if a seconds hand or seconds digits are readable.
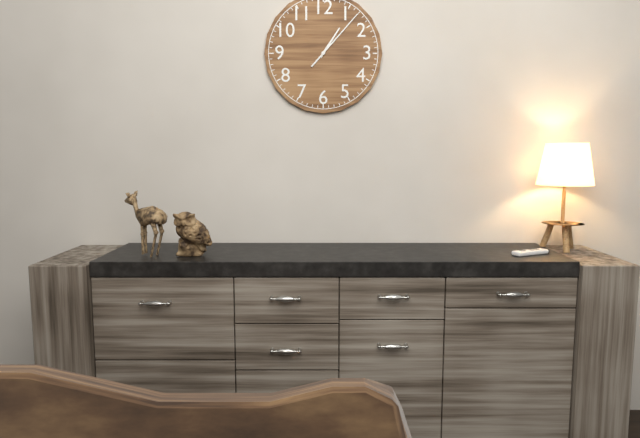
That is 1:07
